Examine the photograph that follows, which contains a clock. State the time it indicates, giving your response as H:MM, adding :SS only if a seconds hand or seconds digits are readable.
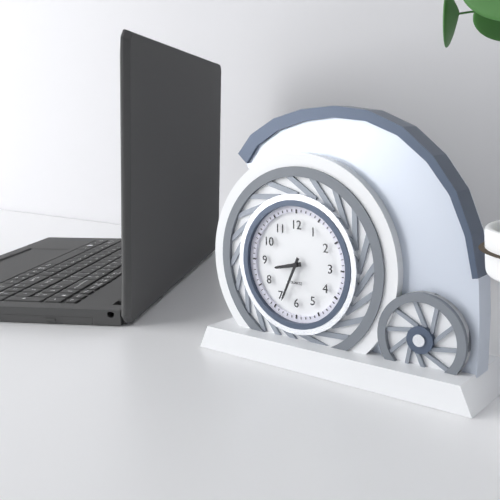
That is 8:34
